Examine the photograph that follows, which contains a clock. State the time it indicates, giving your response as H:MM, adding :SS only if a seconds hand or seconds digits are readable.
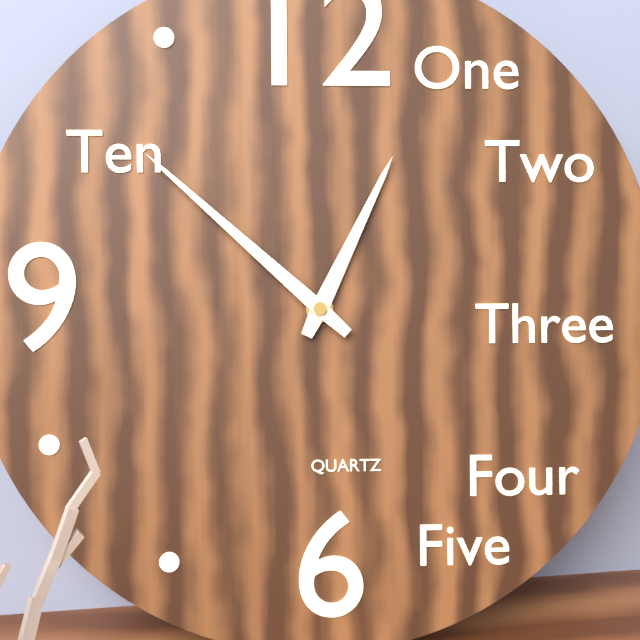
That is 12:52
